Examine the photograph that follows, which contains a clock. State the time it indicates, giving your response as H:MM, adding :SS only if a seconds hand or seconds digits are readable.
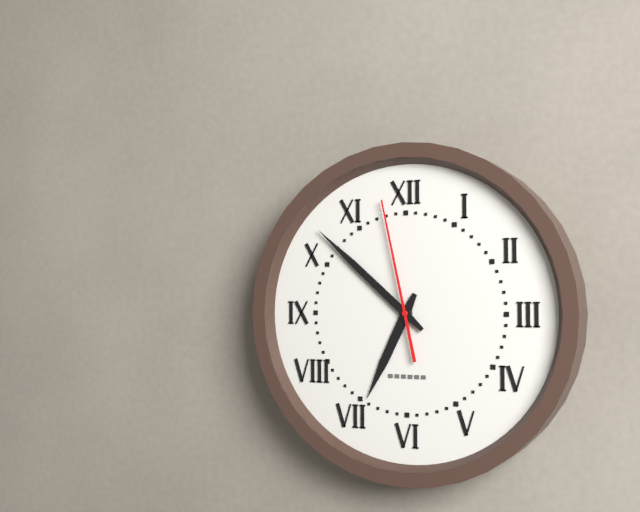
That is 6:52:58
